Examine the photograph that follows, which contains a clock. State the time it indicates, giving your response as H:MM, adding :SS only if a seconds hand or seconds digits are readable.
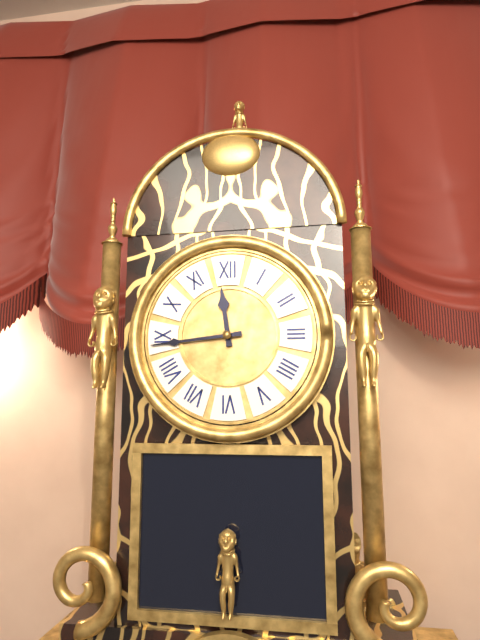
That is 11:44
